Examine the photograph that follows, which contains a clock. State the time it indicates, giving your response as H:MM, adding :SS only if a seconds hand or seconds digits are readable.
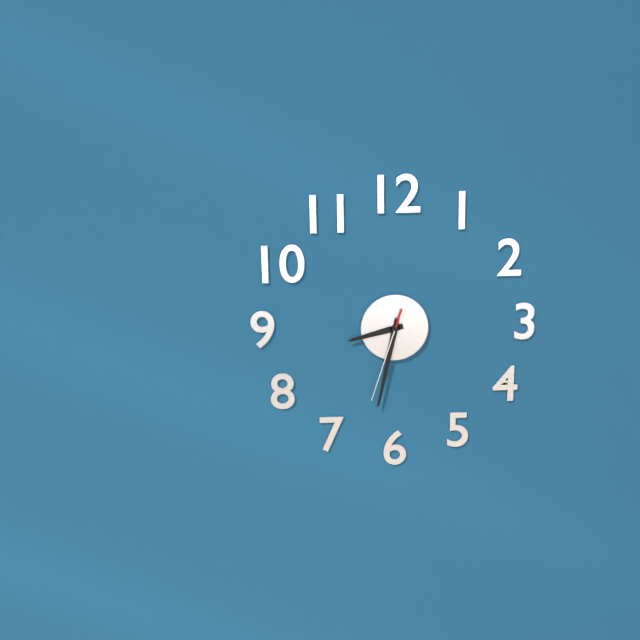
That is 8:32:33
